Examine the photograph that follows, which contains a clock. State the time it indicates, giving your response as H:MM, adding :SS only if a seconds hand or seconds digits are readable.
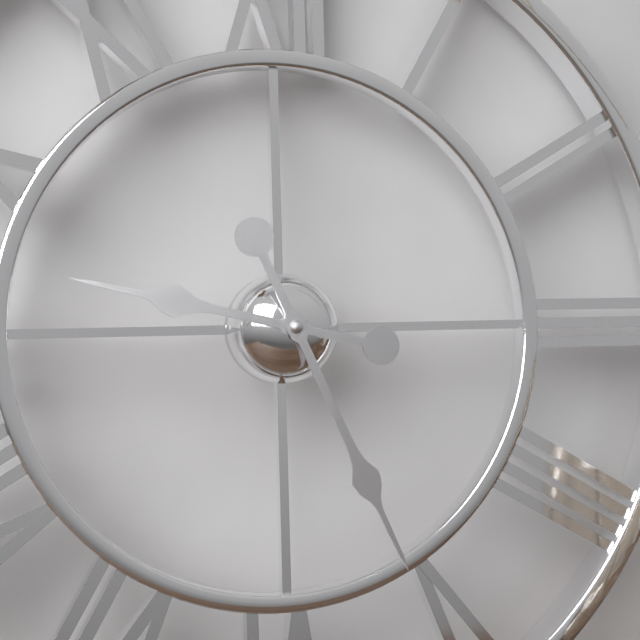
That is 9:26
